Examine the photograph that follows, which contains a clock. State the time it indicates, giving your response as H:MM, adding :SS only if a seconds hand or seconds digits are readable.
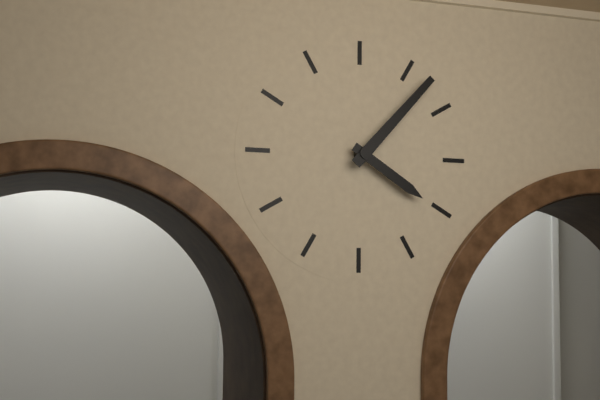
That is 4:07
